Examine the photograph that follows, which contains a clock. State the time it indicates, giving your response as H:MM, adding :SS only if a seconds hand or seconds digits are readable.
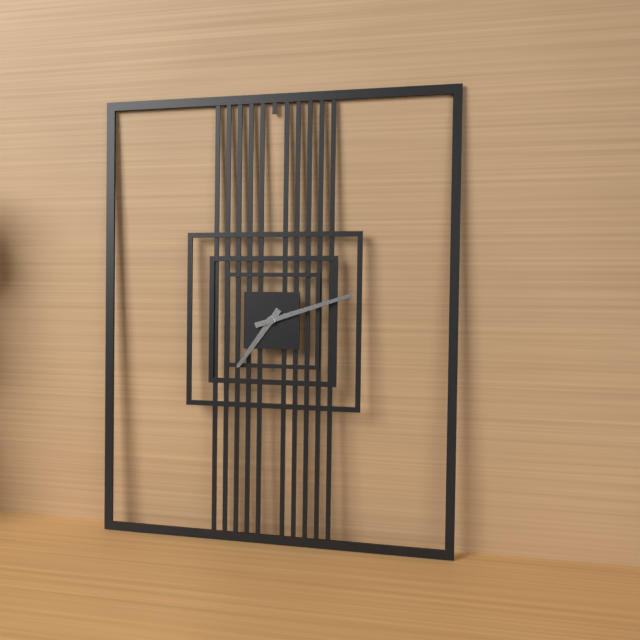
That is 7:12
